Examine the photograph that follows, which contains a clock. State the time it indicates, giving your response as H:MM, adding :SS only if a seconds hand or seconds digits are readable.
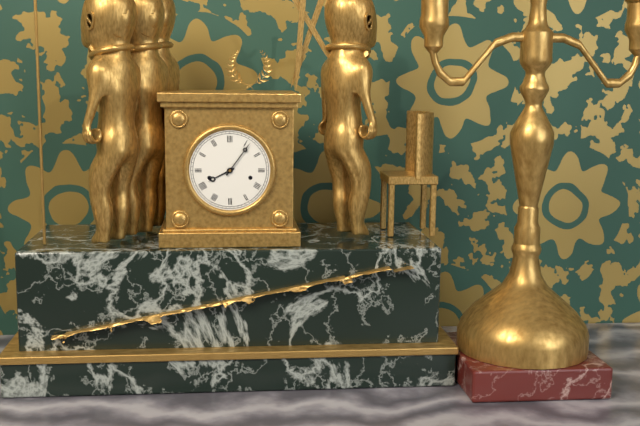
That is 8:06
